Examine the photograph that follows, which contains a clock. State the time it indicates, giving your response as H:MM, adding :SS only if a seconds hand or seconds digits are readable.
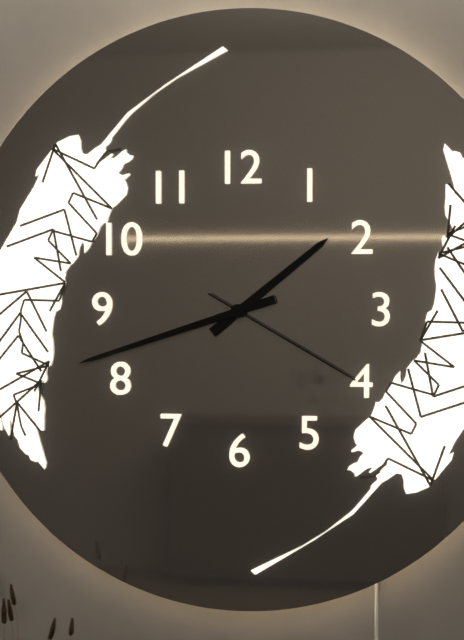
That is 1:42:20
